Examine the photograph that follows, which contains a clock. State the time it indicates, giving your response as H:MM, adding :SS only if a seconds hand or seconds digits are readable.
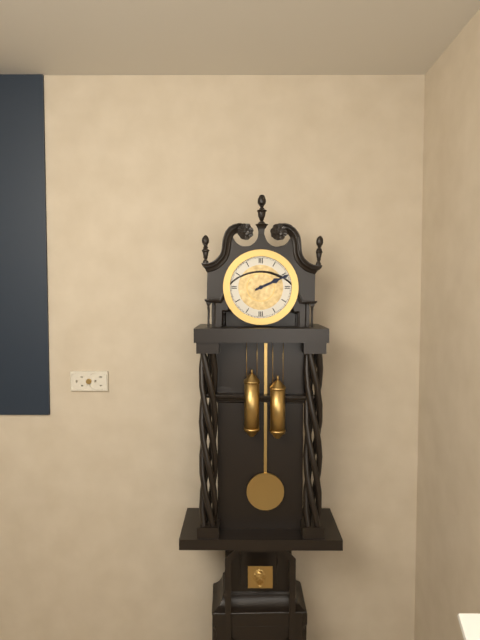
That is 2:11
